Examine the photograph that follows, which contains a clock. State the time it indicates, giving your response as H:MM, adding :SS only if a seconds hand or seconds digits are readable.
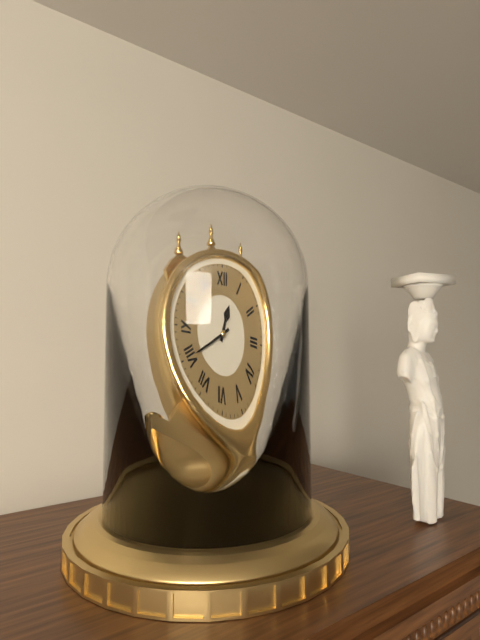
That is 12:40
